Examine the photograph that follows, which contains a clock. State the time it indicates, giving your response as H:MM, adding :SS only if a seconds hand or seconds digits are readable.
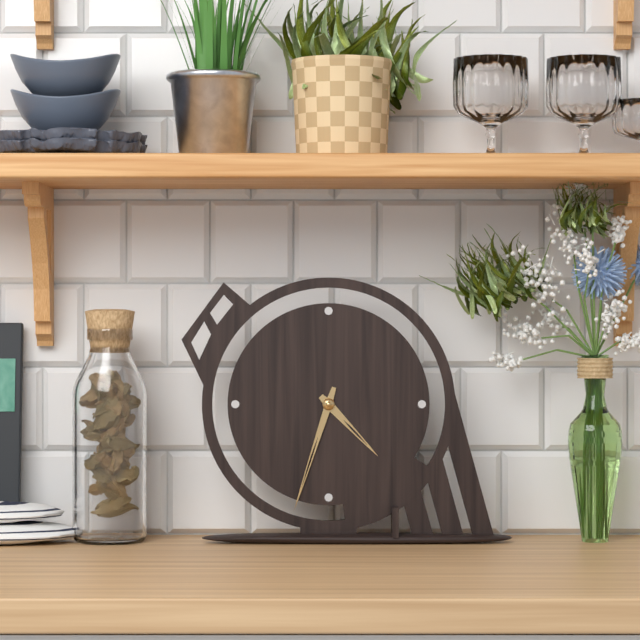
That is 4:33
